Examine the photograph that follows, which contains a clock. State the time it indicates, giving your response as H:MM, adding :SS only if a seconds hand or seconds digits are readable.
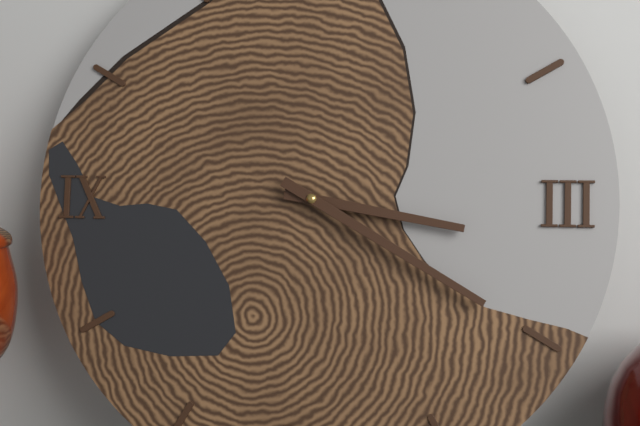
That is 3:20
